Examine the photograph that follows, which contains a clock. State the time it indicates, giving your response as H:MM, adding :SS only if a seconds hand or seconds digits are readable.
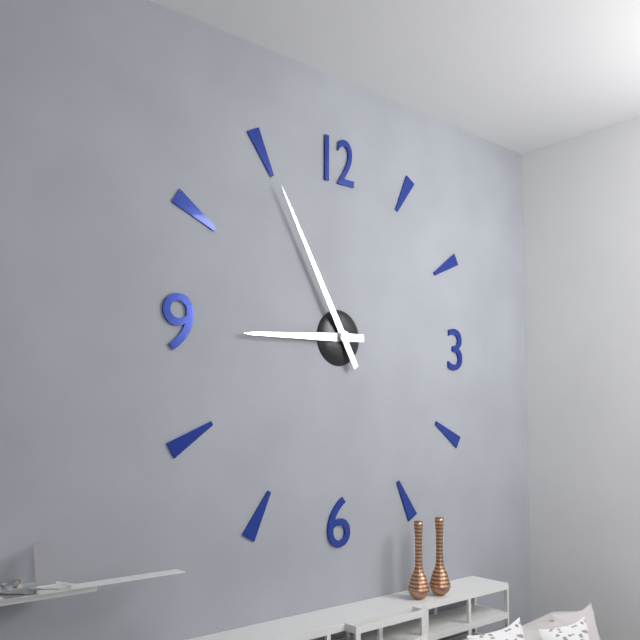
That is 8:55
